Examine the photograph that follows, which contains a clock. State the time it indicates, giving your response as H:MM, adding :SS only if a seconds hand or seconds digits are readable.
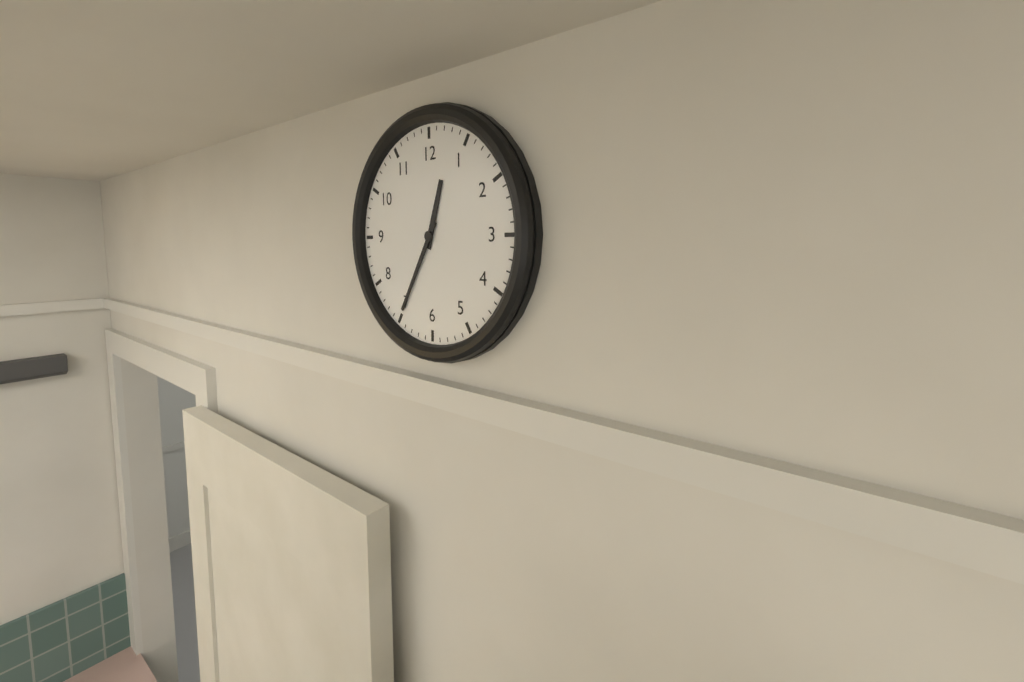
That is 12:35
